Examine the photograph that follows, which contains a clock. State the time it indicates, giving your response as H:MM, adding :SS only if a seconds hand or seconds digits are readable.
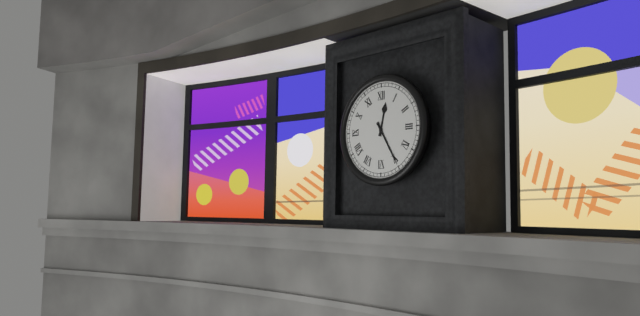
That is 12:25
